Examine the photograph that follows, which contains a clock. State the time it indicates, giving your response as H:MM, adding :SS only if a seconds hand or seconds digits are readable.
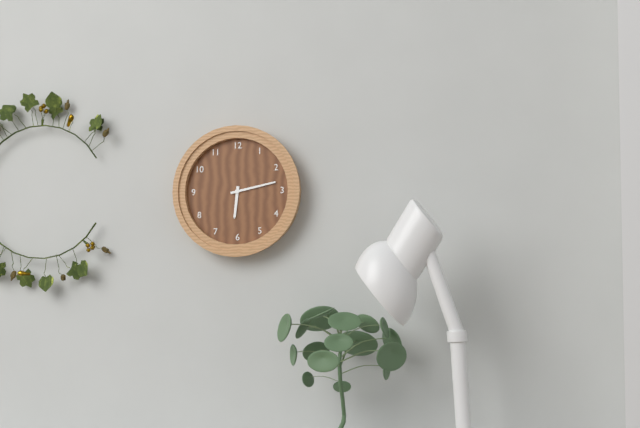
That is 6:13
